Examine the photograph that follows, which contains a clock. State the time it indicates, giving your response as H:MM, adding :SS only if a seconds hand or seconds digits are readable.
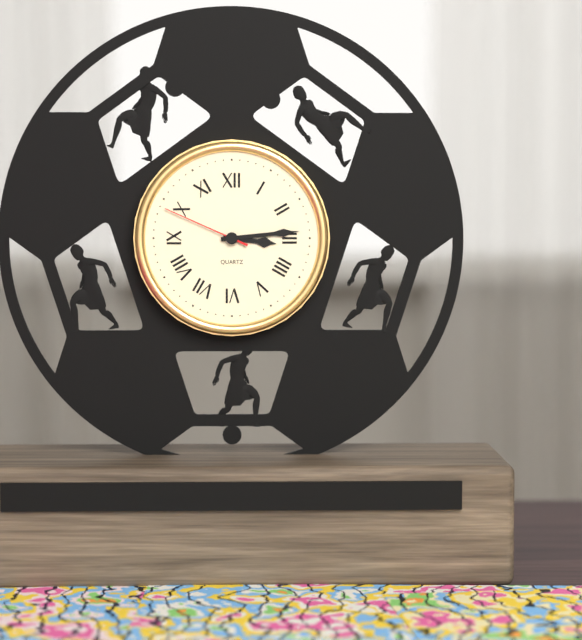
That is 3:14:49
